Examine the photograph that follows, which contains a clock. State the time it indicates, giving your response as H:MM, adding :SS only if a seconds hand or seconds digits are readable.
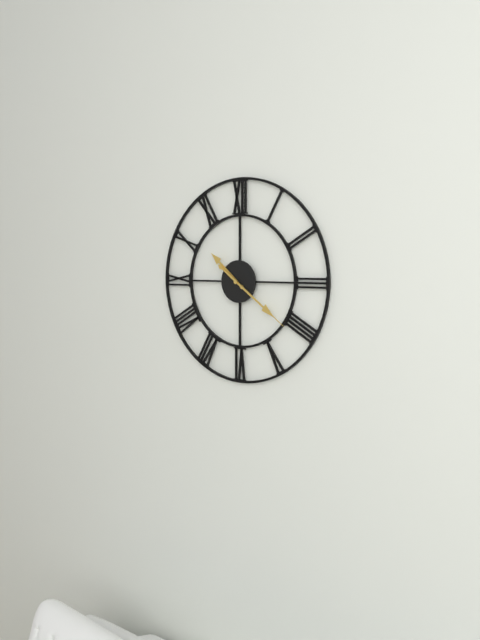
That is 10:21
